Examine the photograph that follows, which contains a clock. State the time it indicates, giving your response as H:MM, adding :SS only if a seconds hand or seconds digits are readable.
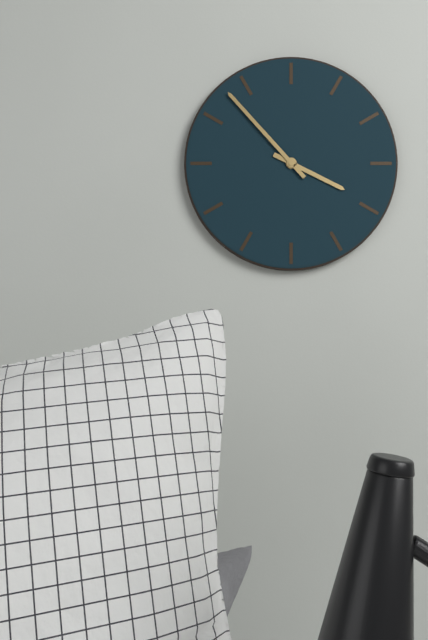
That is 3:53
